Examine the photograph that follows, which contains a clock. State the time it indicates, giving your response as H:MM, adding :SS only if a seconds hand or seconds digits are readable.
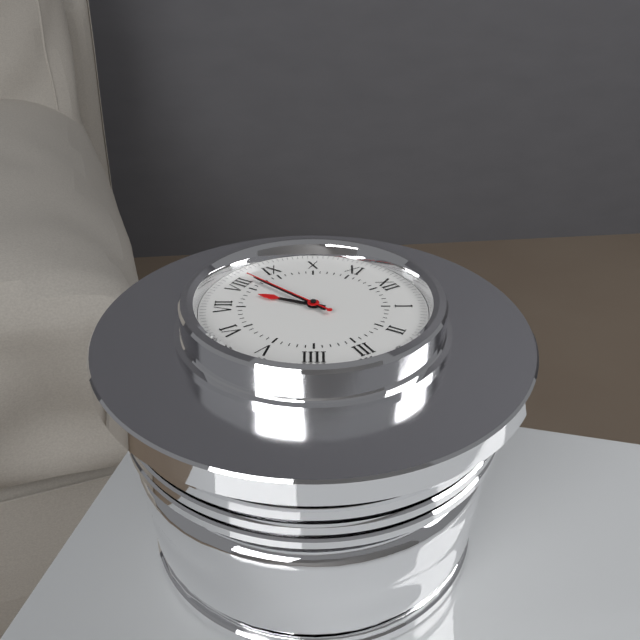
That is 7:42:42
